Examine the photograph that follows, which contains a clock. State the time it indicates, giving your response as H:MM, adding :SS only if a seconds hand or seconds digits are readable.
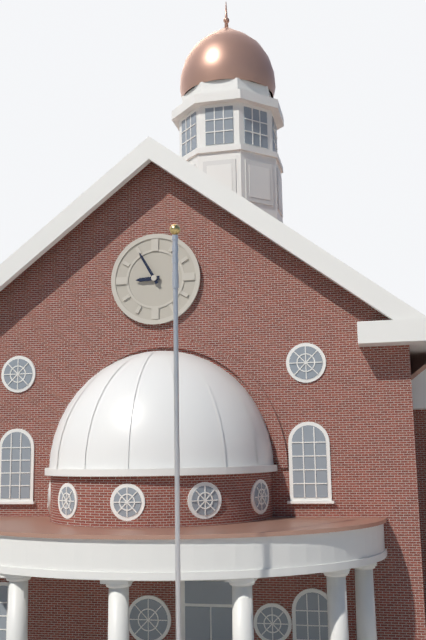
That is 8:55
